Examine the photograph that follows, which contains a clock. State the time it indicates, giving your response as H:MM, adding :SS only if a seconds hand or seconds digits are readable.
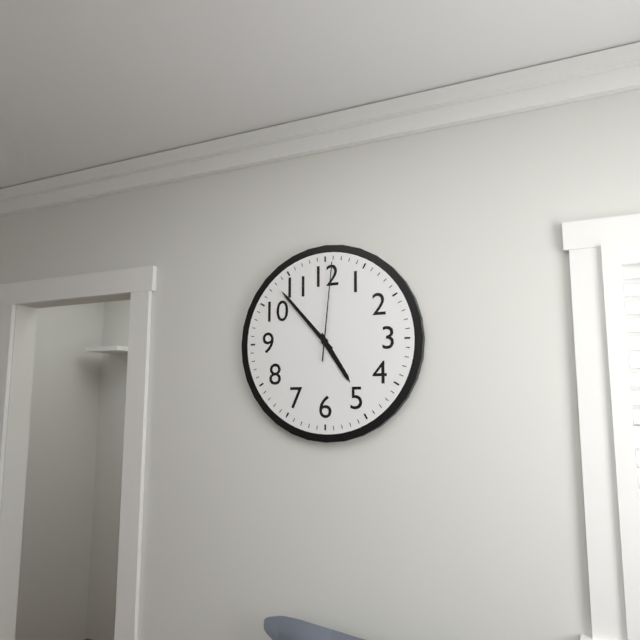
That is 4:53:01
